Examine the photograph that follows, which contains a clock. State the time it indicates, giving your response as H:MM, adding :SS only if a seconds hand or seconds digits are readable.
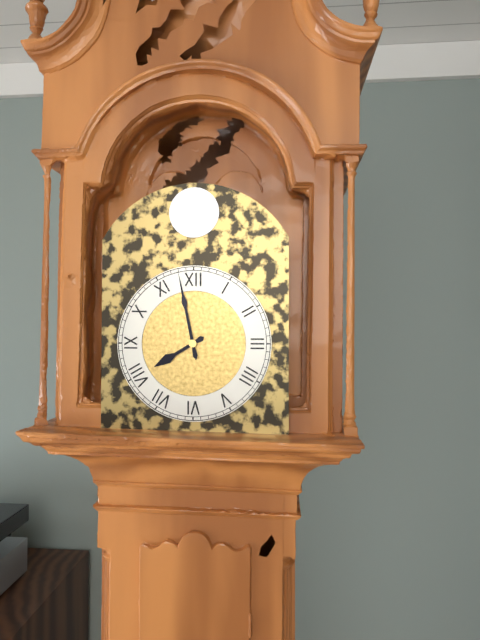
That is 7:58
